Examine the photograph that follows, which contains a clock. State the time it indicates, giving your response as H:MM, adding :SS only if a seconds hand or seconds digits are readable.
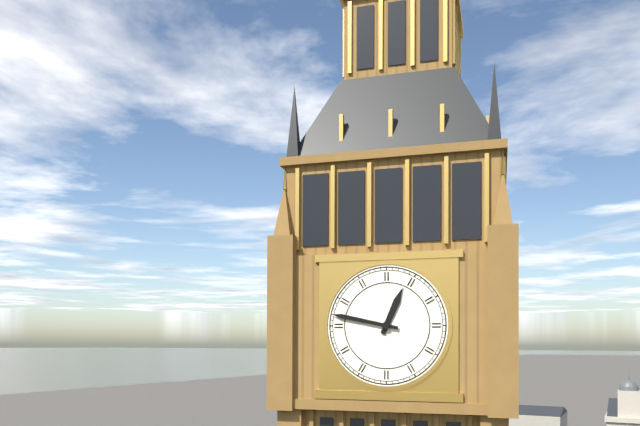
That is 12:47
